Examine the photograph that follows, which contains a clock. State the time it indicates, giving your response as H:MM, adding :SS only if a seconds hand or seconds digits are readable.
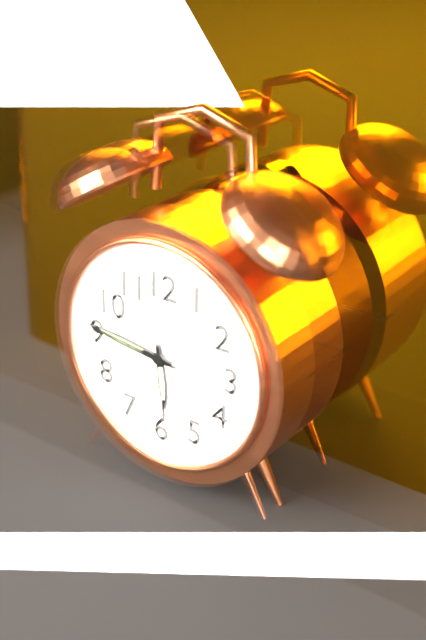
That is 5:46:46
